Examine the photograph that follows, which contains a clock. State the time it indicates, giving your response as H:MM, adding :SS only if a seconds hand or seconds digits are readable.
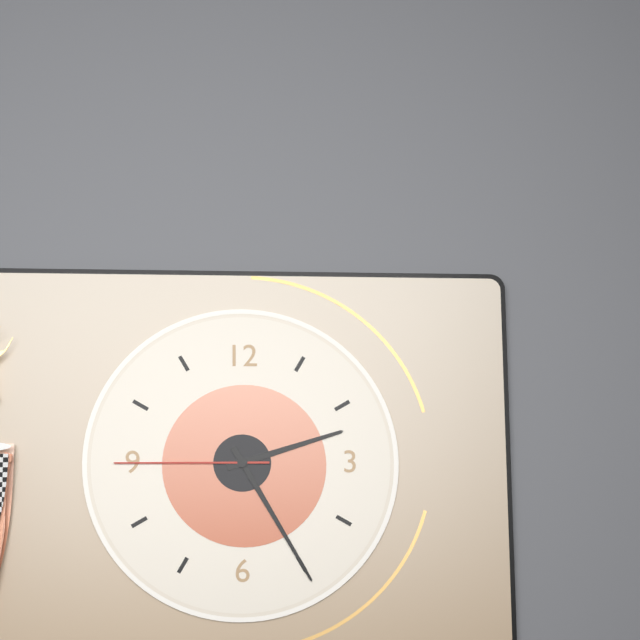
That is 2:25:45
